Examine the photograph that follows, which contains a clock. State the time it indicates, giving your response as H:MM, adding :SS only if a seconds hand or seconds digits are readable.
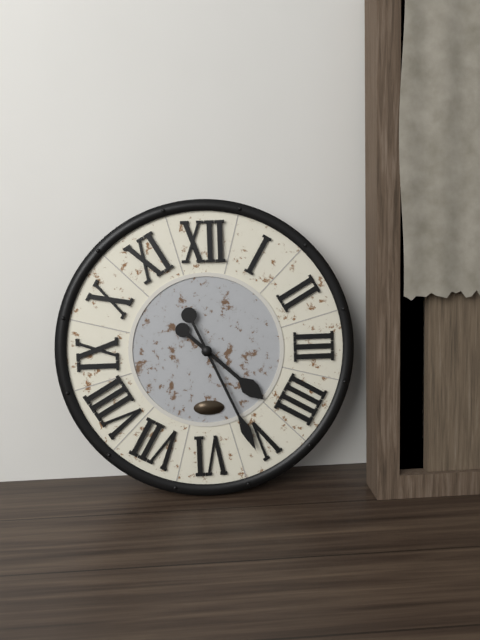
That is 4:26
